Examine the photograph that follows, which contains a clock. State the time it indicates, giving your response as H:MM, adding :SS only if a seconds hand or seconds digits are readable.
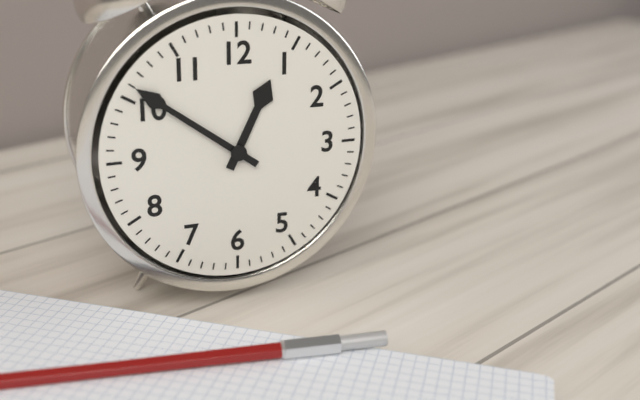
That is 12:51
